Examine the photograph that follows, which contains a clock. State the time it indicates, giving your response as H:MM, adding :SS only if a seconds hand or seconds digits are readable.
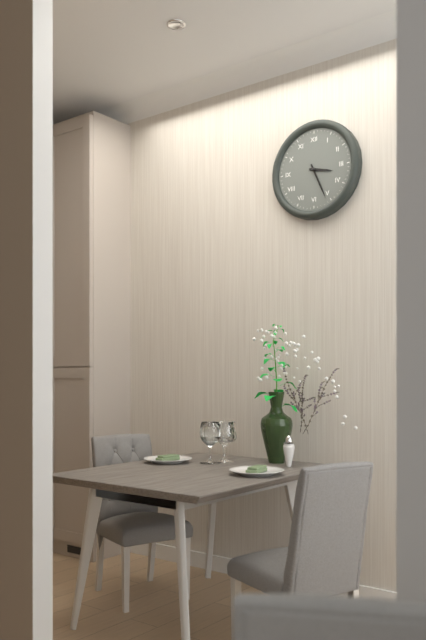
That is 3:26
